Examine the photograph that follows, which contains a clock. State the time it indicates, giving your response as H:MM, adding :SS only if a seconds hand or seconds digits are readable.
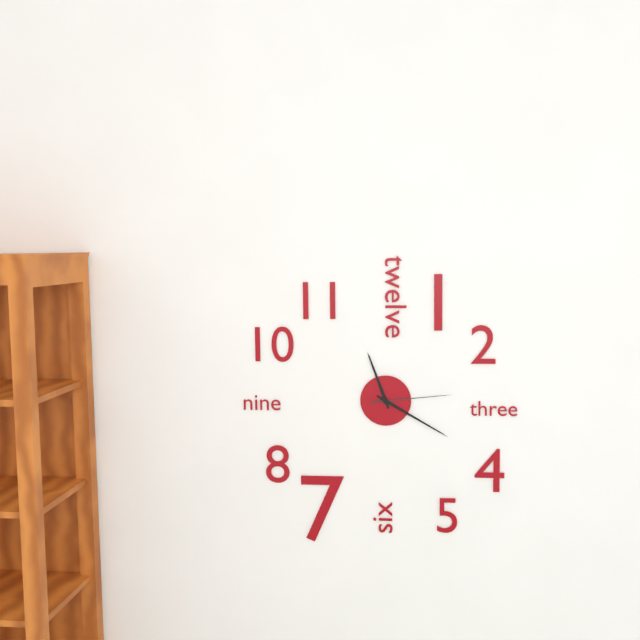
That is 11:20:14
